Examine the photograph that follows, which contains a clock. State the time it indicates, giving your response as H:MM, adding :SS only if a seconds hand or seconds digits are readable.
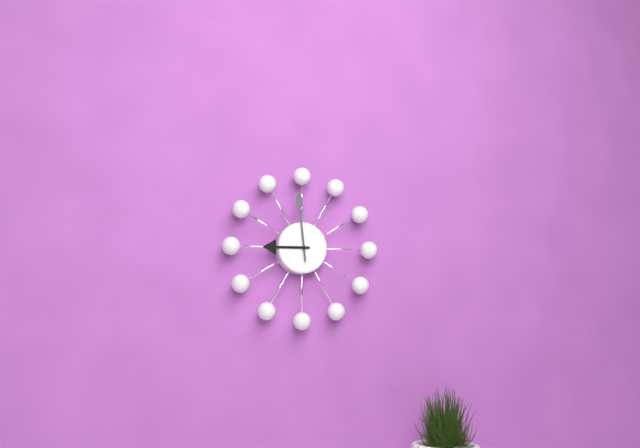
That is 8:59
